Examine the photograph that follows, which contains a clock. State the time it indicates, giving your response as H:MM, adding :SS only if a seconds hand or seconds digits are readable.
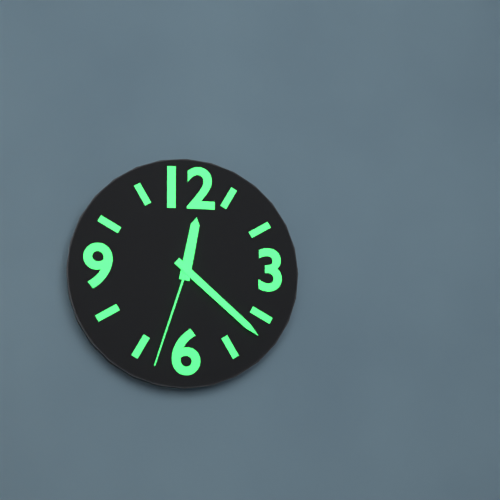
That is 12:22:33
